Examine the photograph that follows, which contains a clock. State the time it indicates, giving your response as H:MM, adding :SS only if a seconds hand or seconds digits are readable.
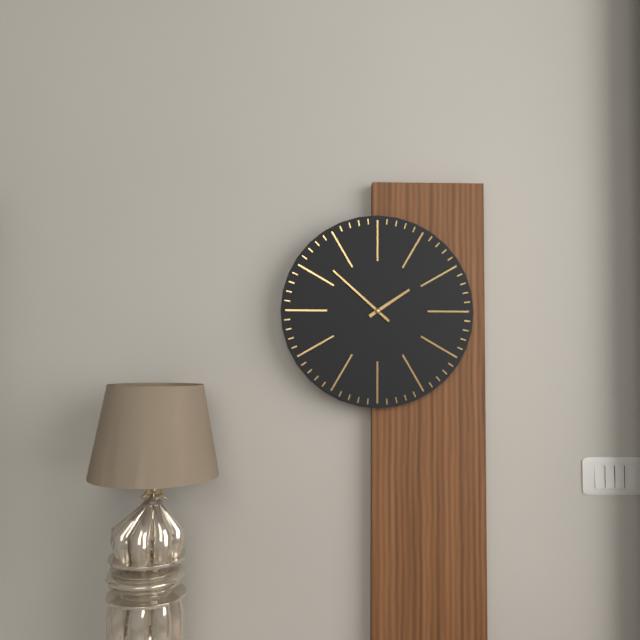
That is 1:52
